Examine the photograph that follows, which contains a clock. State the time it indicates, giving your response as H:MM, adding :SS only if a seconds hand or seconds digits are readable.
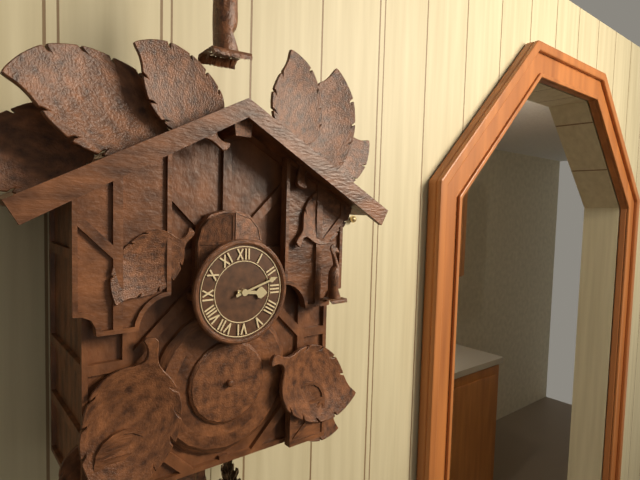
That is 3:12
